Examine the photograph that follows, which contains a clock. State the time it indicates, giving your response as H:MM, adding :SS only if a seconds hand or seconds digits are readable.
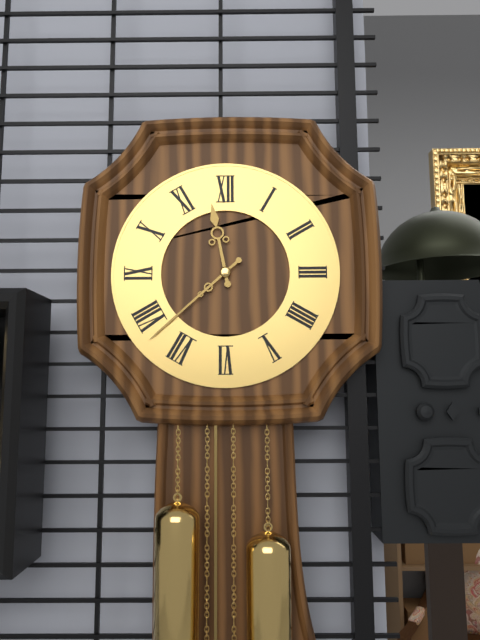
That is 11:38
